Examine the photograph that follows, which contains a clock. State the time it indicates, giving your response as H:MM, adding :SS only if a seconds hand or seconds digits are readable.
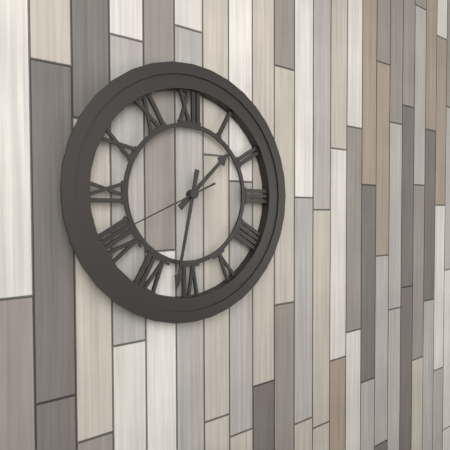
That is 1:32:41
